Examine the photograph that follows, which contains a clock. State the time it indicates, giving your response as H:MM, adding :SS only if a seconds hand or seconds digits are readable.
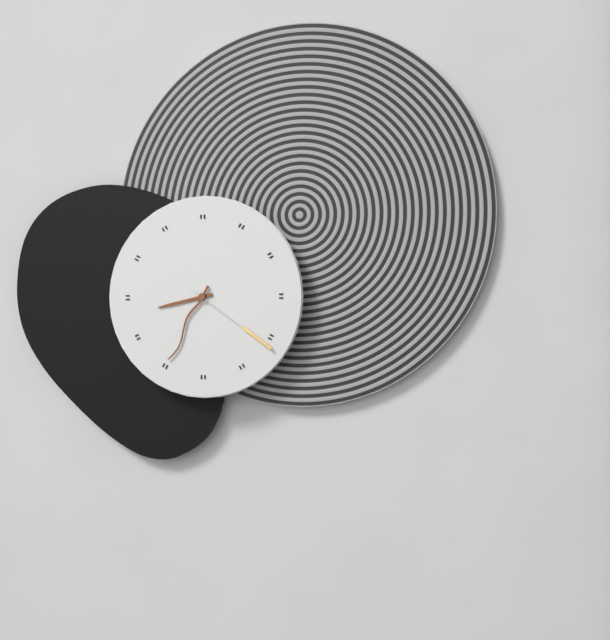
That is 8:35:21
